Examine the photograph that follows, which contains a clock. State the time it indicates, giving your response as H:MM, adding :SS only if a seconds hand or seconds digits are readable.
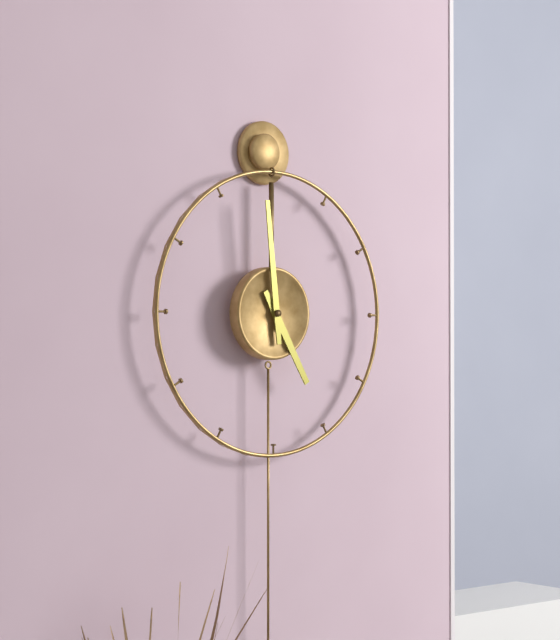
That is 4:59
